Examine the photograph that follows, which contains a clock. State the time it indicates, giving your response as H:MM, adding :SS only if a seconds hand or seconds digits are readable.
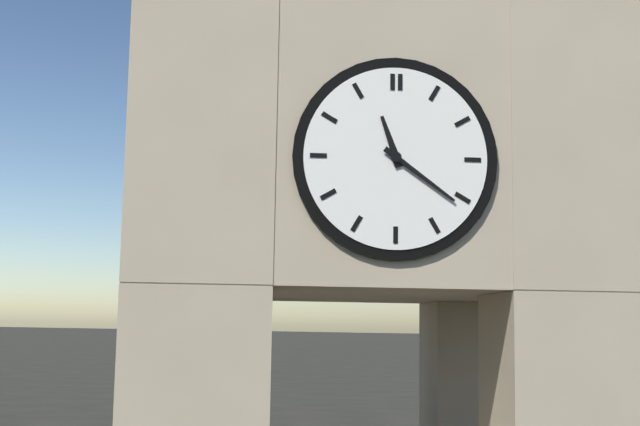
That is 11:21
